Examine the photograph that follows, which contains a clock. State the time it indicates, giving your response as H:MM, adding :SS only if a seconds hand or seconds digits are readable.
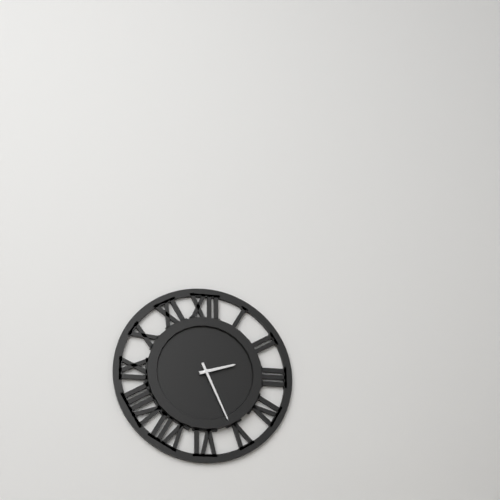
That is 2:26
